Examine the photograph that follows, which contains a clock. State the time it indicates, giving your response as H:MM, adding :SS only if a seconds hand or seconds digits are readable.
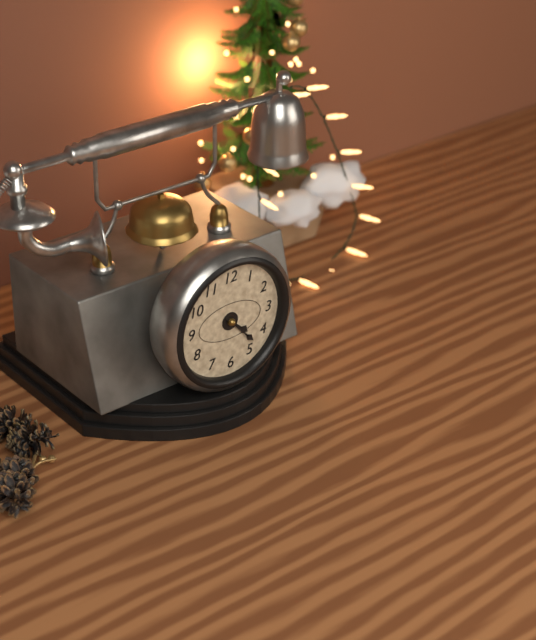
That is 4:23
